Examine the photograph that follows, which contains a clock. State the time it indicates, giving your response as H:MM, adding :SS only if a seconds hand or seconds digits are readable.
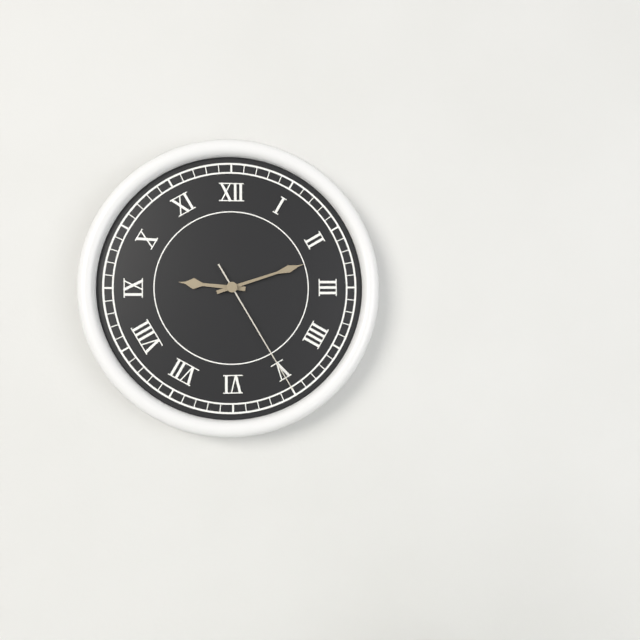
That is 9:12:25
